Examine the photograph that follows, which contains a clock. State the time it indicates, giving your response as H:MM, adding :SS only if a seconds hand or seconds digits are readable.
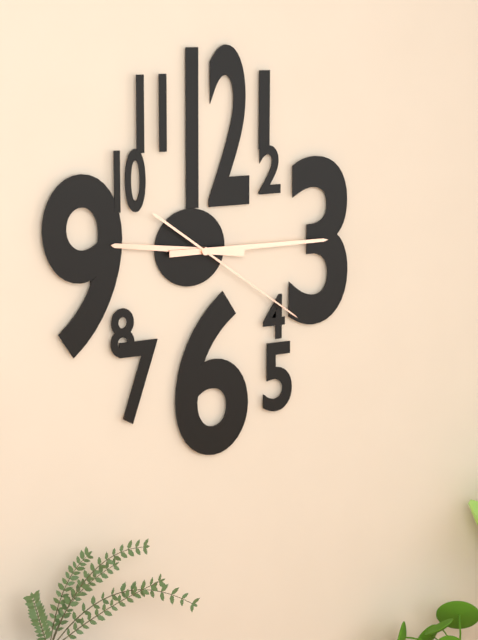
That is 9:15:21
